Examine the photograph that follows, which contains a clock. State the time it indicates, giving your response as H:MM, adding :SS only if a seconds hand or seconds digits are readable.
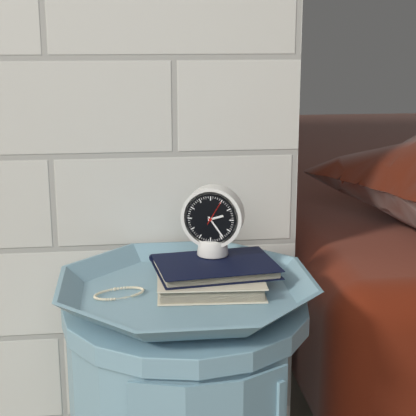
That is 2:24
